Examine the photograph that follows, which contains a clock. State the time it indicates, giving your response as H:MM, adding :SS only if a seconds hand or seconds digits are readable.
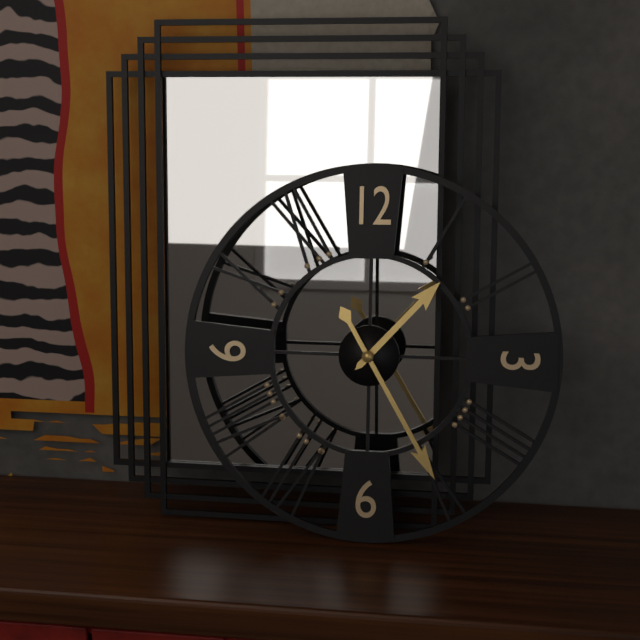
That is 1:25
